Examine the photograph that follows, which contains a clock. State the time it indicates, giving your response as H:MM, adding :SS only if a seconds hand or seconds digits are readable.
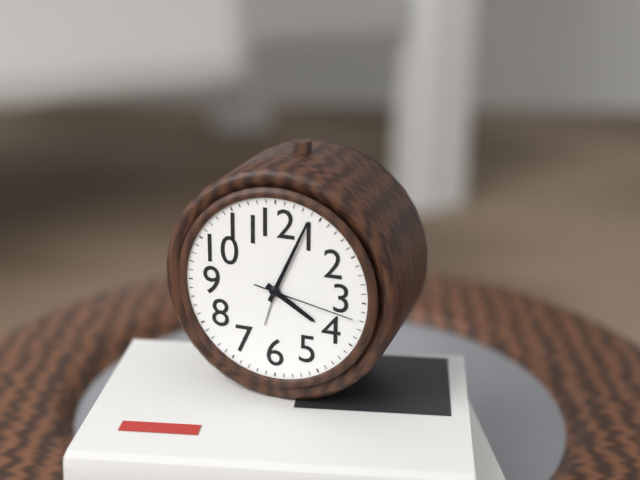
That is 4:04:17
